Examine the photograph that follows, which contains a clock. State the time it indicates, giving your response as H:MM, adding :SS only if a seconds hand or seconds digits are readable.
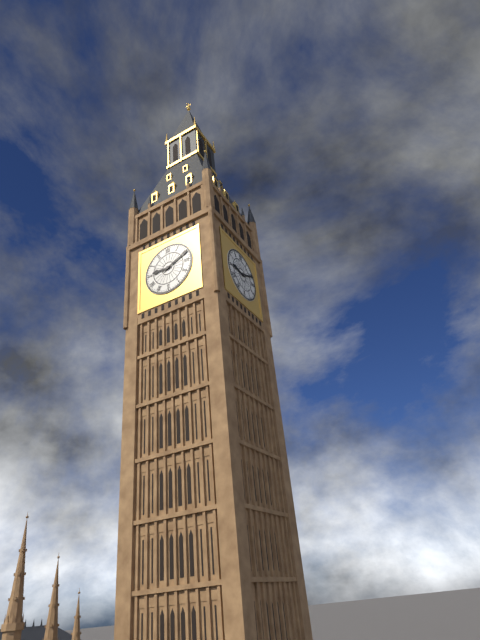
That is 9:11
